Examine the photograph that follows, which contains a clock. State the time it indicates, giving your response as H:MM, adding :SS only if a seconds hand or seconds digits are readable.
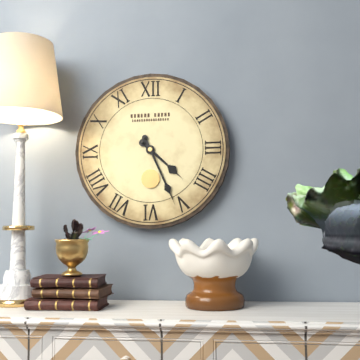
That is 4:26
